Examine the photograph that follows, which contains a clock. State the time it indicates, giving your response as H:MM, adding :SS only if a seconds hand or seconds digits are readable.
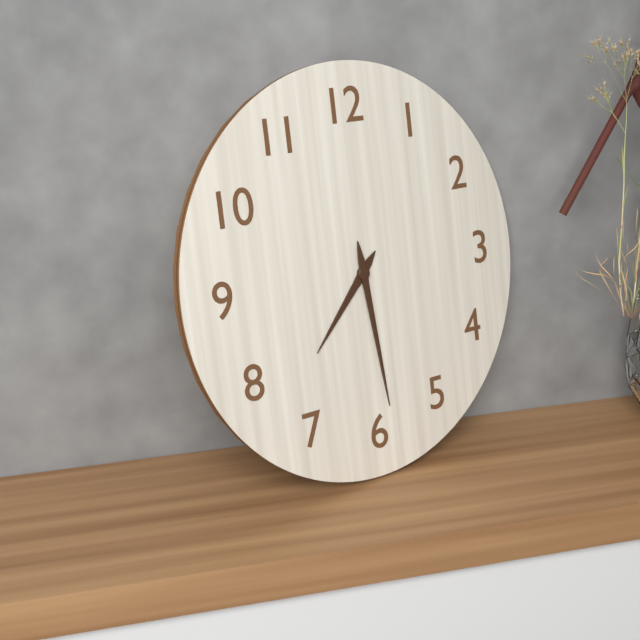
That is 7:29
